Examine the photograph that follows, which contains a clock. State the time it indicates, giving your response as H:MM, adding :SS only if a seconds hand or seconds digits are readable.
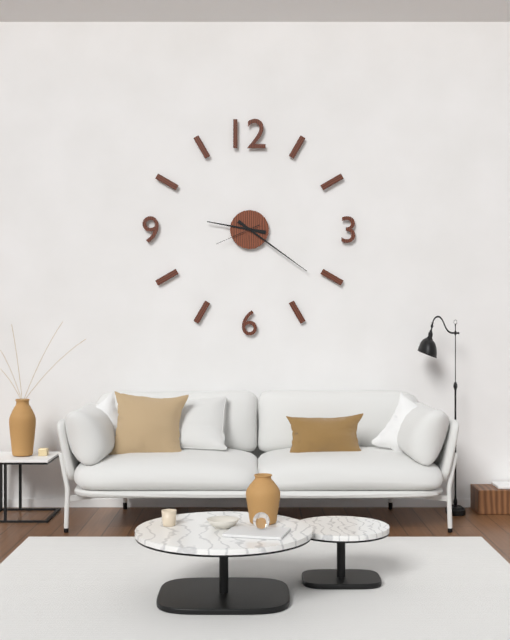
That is 9:21
